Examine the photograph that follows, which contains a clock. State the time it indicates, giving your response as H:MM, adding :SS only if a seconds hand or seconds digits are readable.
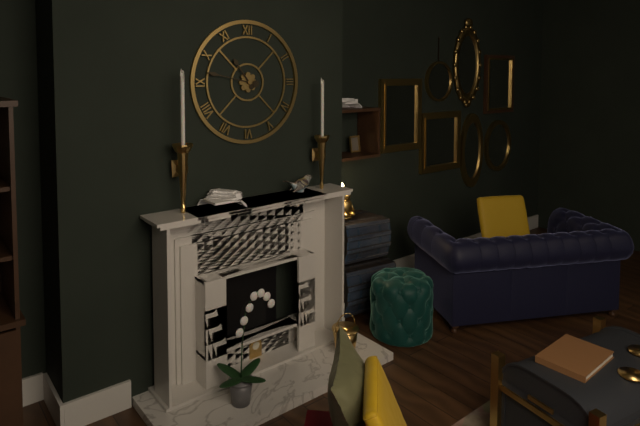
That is 10:47
